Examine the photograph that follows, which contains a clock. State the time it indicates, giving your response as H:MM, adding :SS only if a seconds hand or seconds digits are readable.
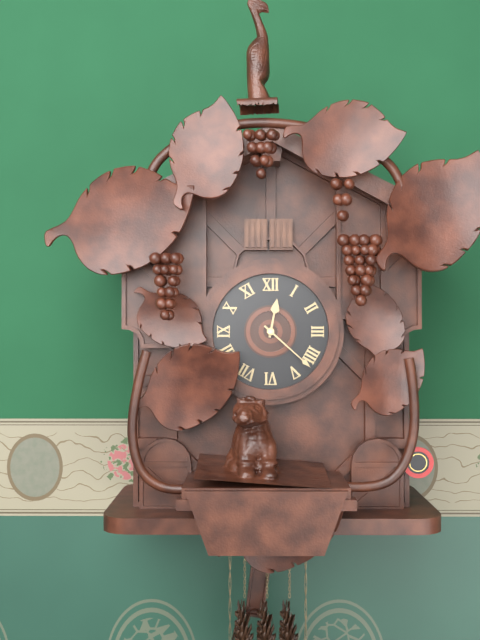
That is 12:22
